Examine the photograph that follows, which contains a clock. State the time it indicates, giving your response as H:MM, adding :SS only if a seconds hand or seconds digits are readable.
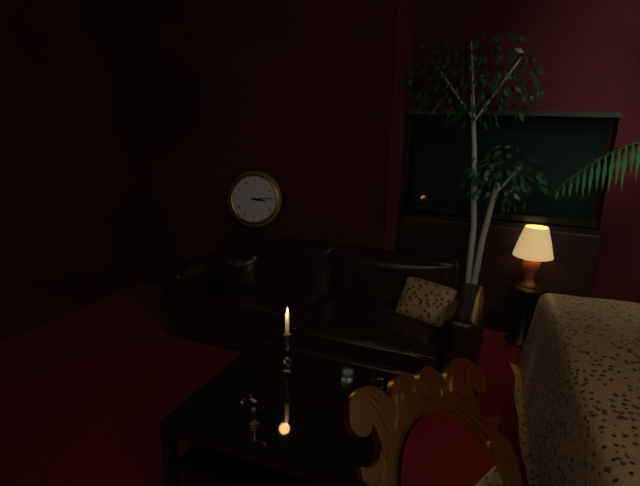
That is 3:14
